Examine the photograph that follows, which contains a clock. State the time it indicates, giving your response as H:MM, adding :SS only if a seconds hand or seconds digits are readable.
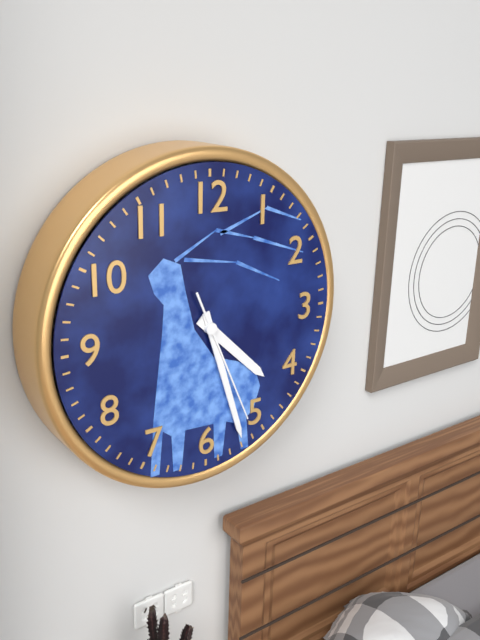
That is 4:27:26
